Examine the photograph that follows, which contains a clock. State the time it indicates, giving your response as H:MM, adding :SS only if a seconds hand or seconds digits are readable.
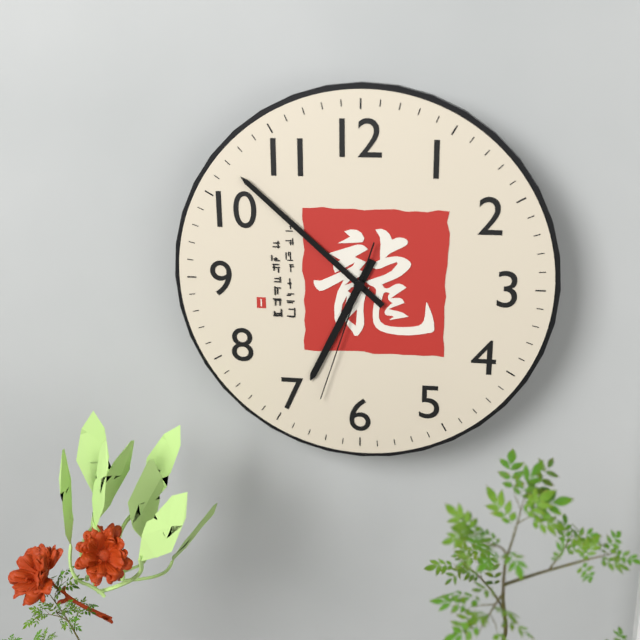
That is 6:52:33
